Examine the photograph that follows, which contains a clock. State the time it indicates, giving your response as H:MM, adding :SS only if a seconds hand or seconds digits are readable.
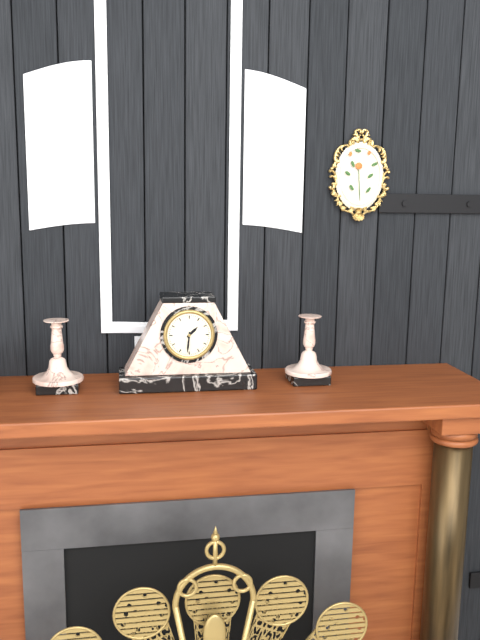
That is 1:31
